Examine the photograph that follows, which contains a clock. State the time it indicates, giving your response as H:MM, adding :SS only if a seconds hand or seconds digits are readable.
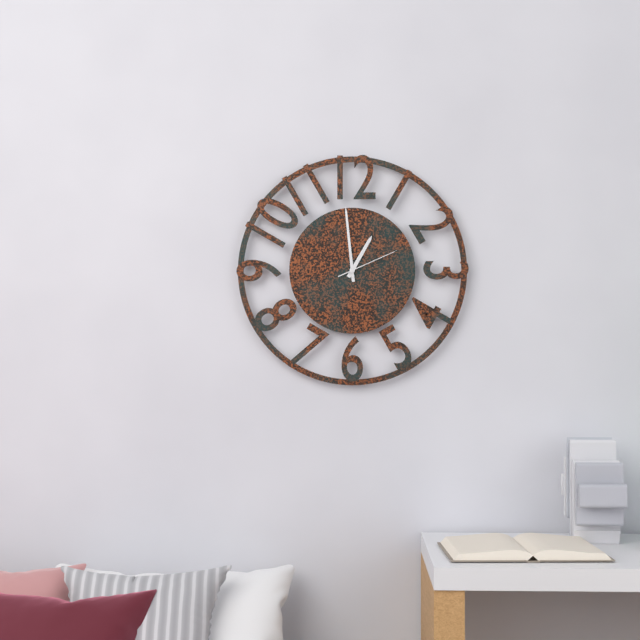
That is 12:59:11
